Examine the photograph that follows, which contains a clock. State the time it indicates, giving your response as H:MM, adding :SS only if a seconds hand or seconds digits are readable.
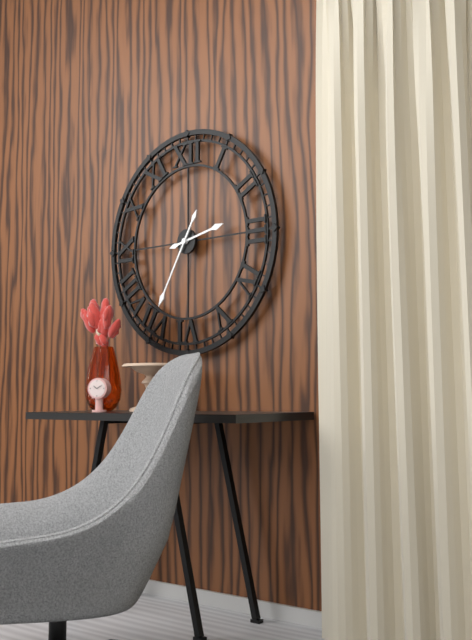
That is 2:35
